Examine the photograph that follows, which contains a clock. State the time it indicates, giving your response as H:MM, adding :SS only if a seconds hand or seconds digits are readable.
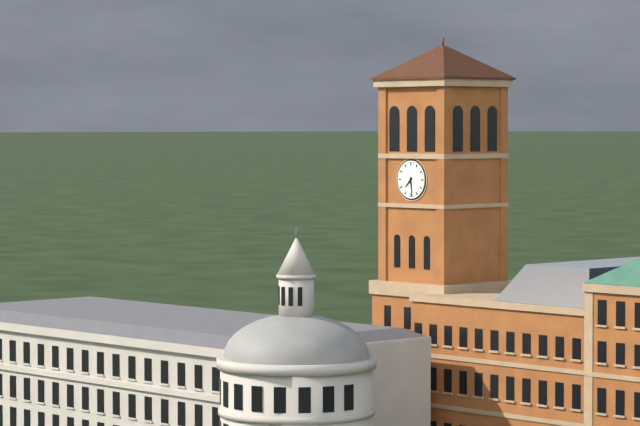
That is 7:29
